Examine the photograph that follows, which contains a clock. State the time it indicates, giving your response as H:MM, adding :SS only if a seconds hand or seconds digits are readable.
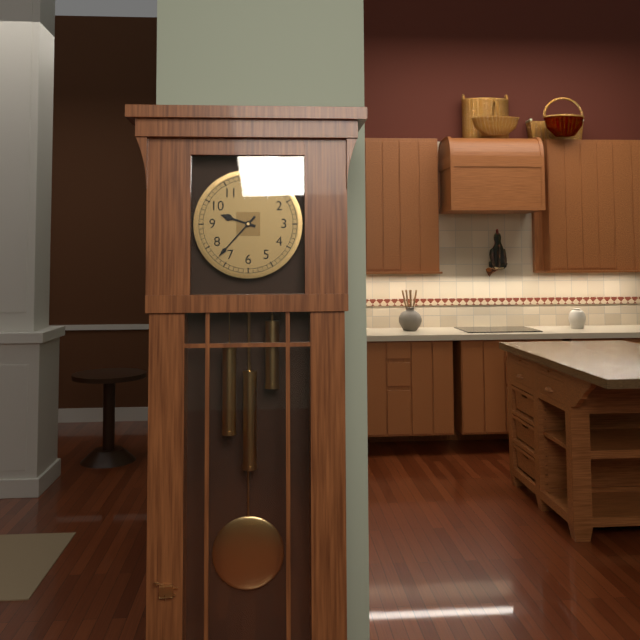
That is 9:37
